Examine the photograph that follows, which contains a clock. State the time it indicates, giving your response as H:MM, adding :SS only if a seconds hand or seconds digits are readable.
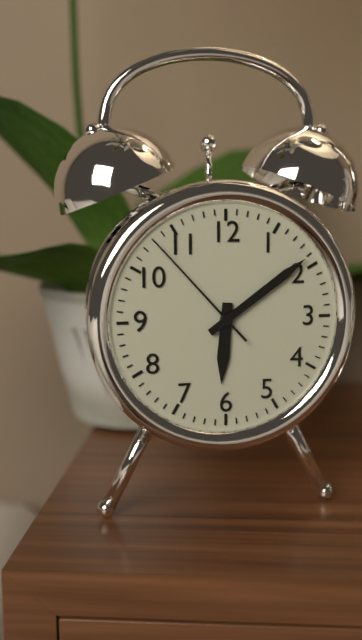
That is 6:09:53
